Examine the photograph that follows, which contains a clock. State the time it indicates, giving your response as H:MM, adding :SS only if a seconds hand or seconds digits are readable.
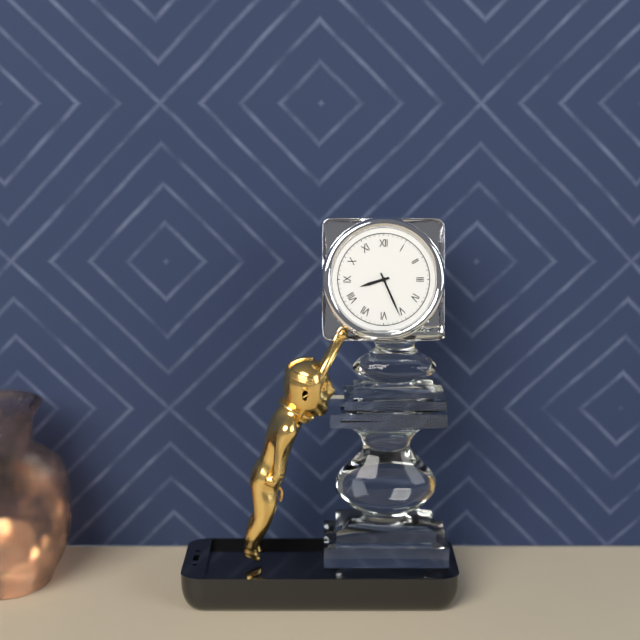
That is 8:26
